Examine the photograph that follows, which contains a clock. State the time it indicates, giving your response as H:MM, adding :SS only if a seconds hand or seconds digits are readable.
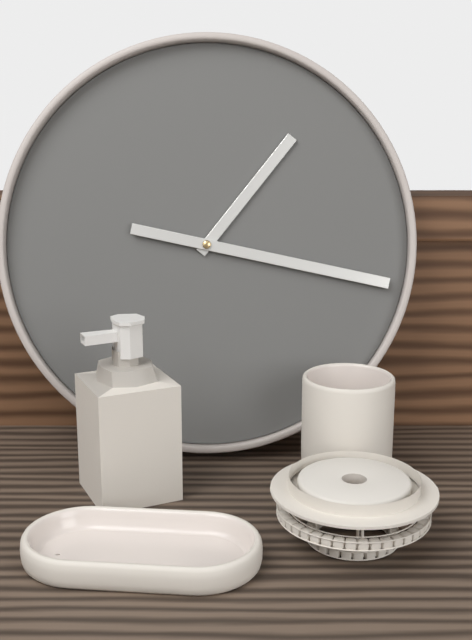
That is 1:17
